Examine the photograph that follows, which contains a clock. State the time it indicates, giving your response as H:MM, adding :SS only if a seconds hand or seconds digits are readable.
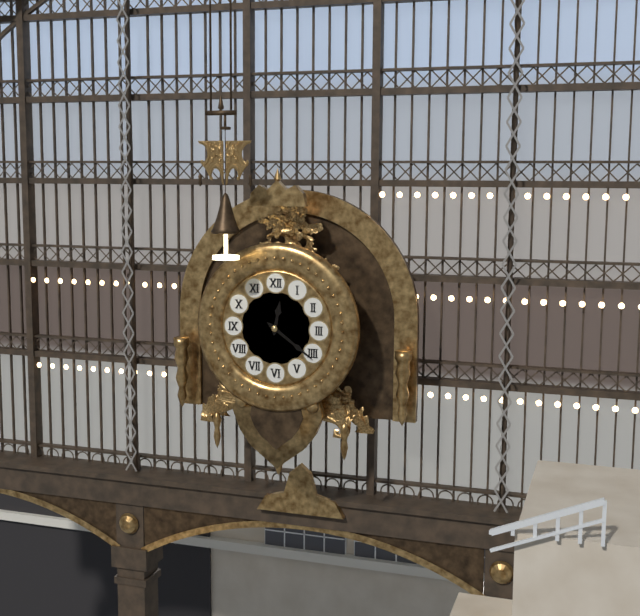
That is 12:21
